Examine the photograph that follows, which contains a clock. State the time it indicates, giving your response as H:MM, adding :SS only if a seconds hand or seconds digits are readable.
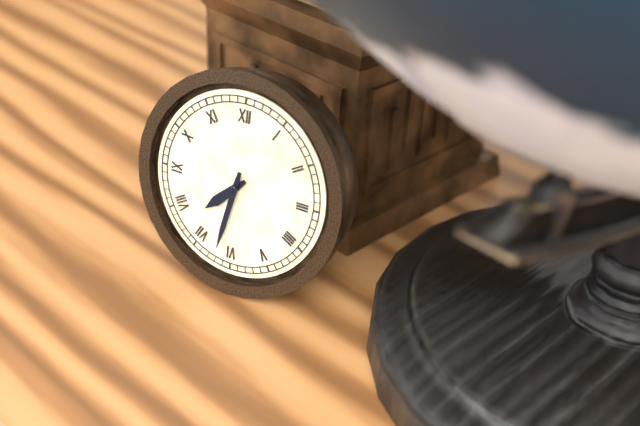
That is 7:32
